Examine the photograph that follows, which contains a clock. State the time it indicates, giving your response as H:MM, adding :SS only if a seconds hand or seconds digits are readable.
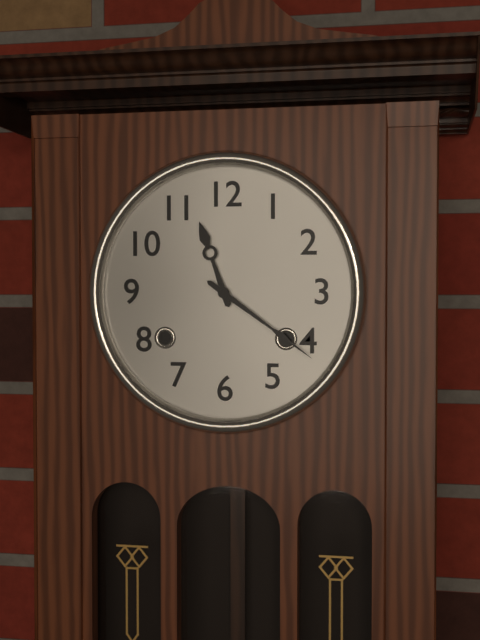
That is 11:21
